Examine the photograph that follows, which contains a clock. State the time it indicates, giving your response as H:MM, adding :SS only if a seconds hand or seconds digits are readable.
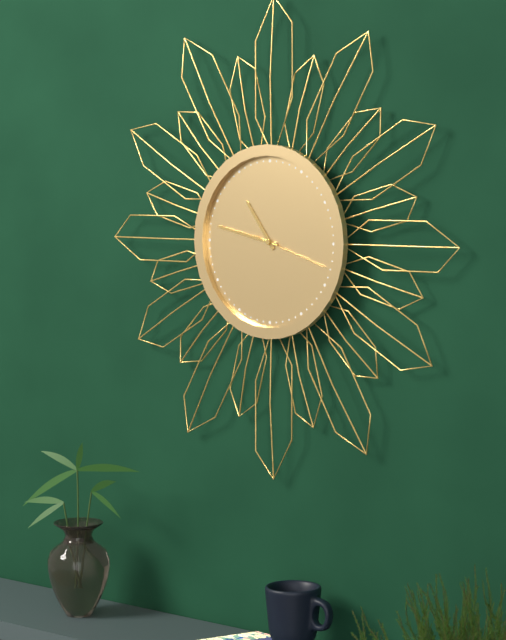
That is 10:47:18
